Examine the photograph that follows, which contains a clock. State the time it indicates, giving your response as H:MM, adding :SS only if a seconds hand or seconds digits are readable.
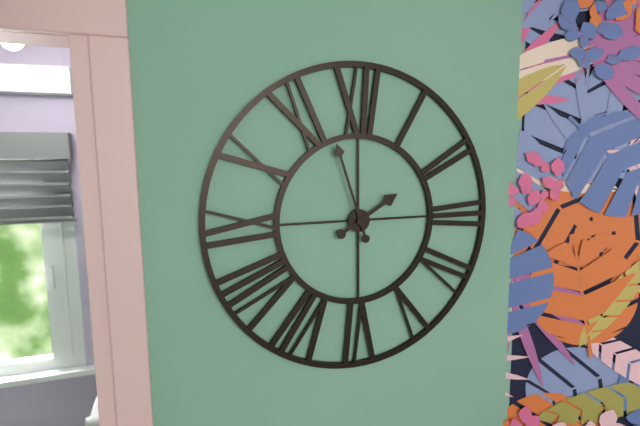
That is 1:57
